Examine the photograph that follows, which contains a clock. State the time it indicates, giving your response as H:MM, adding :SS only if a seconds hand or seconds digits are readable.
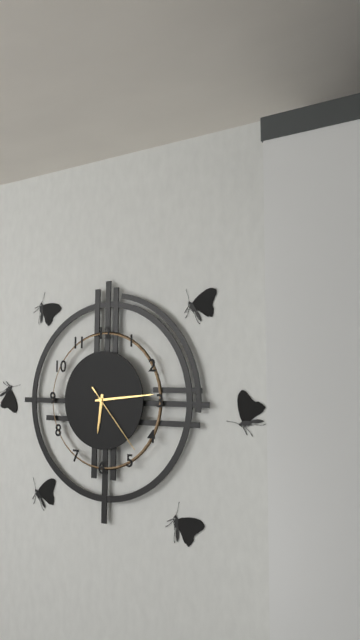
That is 6:14:23
